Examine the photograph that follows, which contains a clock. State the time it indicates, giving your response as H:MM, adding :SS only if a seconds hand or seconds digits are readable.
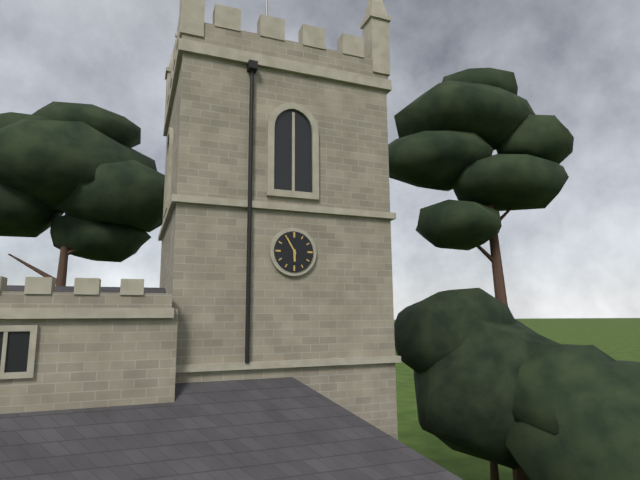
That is 5:55
